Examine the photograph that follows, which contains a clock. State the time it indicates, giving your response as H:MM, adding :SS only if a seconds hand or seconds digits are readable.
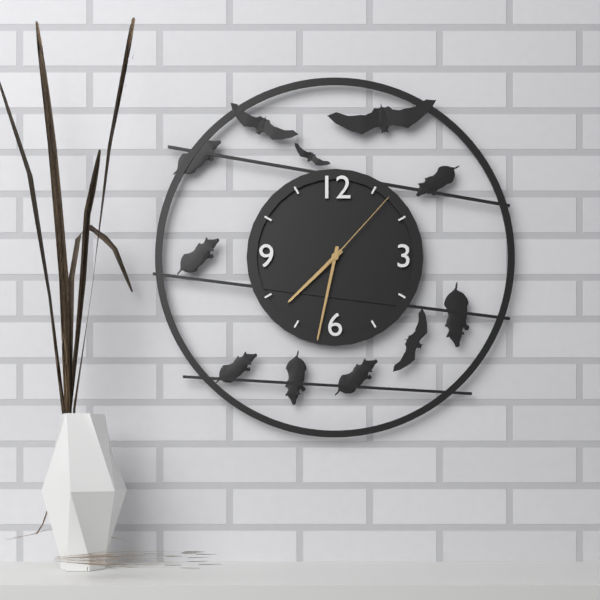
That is 7:32:07
